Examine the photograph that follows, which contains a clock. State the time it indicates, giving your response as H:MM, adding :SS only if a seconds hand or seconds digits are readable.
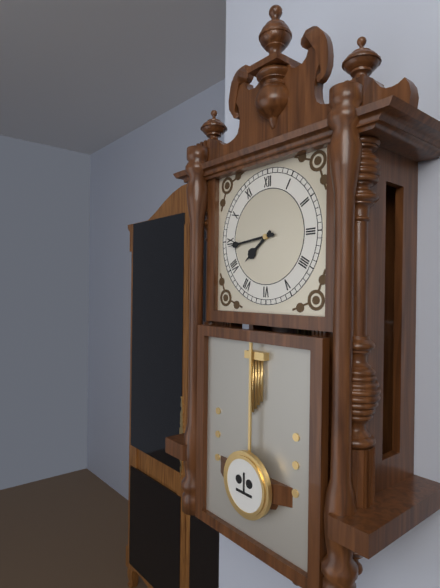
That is 7:44
